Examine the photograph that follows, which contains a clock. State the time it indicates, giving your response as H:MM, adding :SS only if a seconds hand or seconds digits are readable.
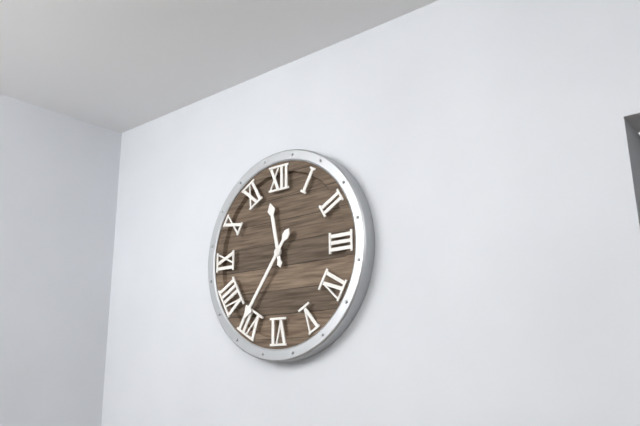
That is 11:36
